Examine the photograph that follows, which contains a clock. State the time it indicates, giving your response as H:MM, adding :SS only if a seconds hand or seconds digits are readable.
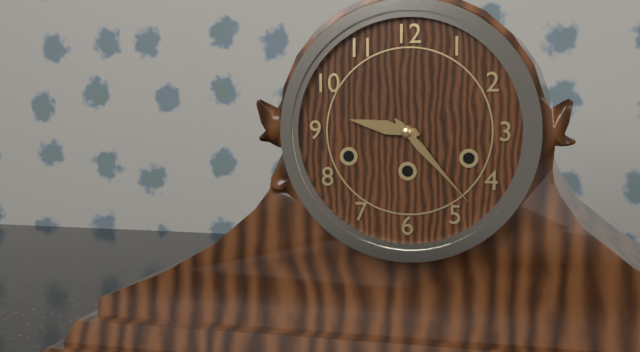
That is 9:23
